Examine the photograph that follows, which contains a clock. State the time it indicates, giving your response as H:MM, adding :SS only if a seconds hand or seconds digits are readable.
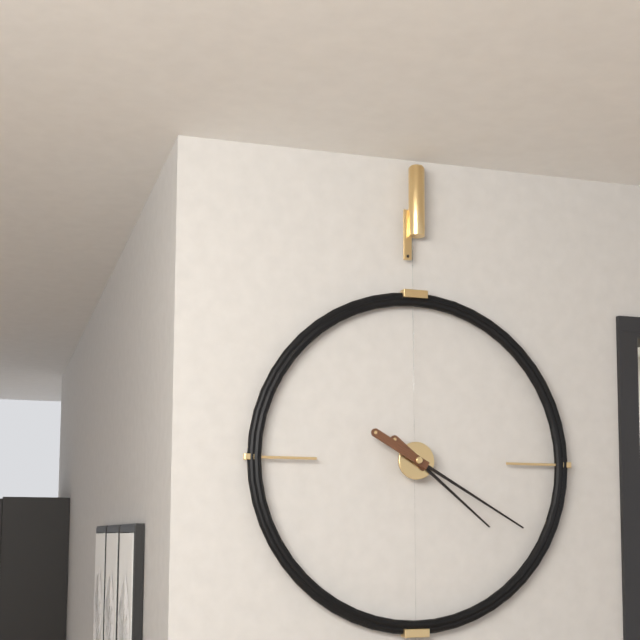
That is 4:20
